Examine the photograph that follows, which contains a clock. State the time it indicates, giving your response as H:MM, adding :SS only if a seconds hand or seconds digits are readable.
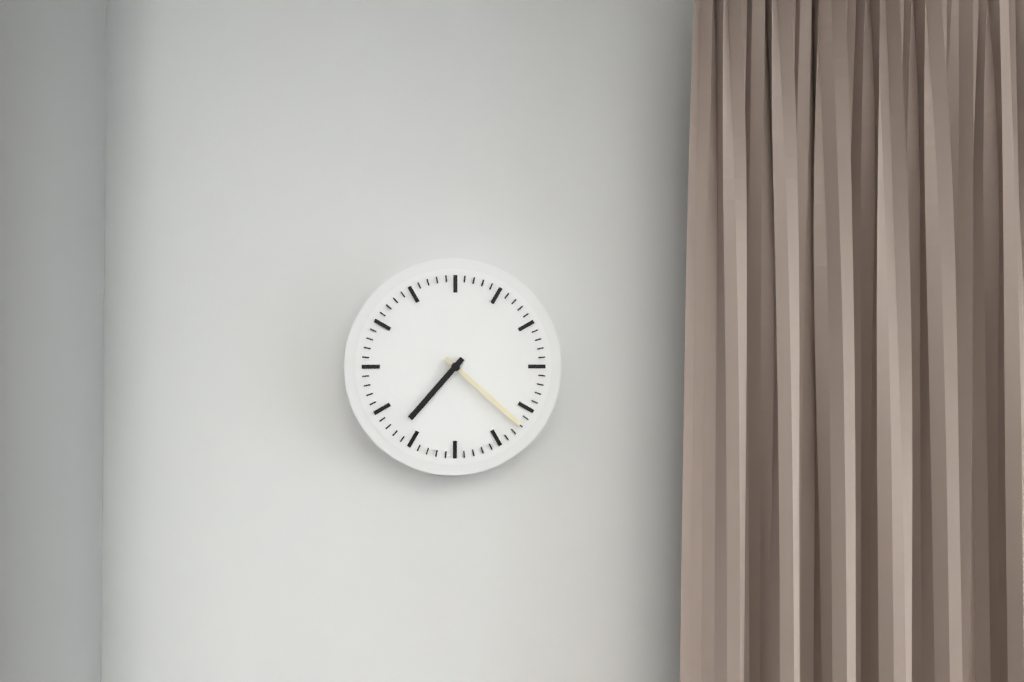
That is 7:22
